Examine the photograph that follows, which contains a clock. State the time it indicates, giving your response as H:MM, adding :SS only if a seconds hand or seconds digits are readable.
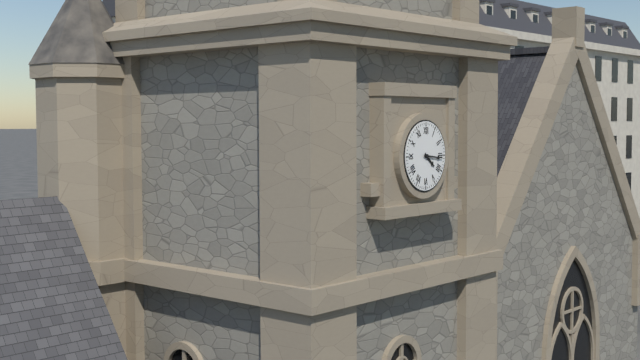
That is 4:16
